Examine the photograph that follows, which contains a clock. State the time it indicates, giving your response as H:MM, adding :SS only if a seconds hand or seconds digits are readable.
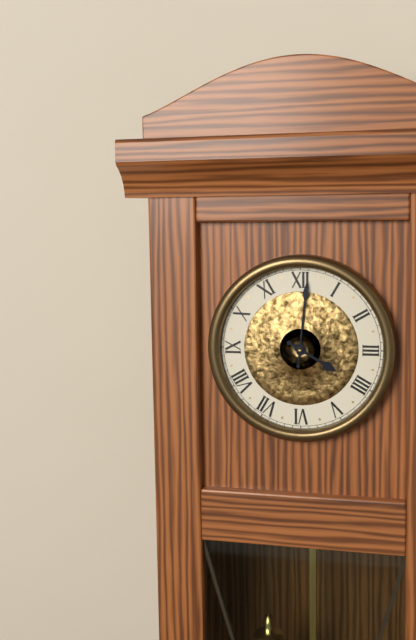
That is 4:01
